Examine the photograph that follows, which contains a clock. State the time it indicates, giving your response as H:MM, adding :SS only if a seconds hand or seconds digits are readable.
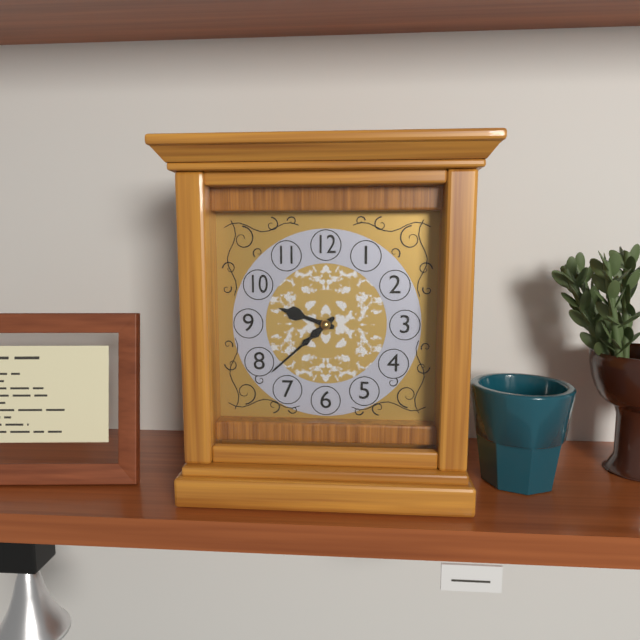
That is 9:38
